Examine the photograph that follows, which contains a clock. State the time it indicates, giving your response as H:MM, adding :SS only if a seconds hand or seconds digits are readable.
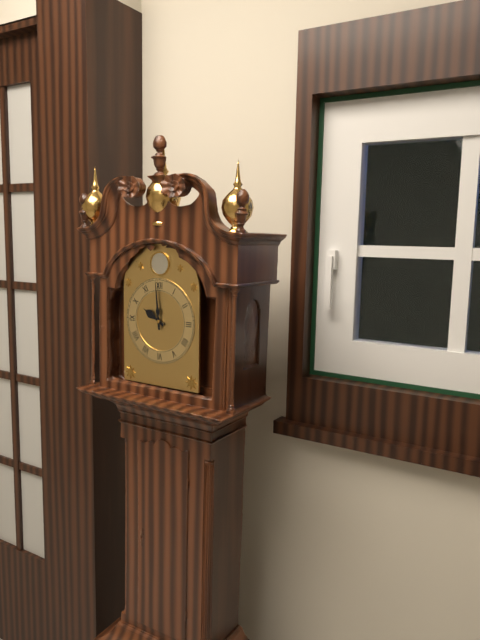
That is 9:59
